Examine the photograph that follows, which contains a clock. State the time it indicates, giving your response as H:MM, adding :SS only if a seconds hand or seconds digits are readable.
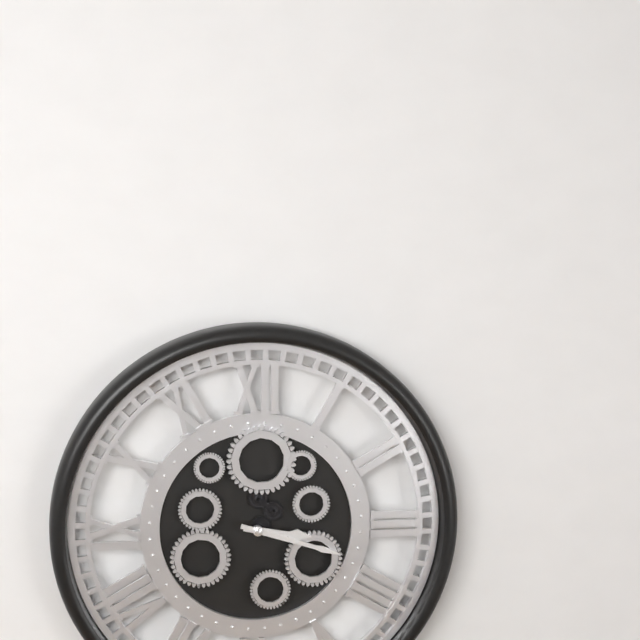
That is 3:18
